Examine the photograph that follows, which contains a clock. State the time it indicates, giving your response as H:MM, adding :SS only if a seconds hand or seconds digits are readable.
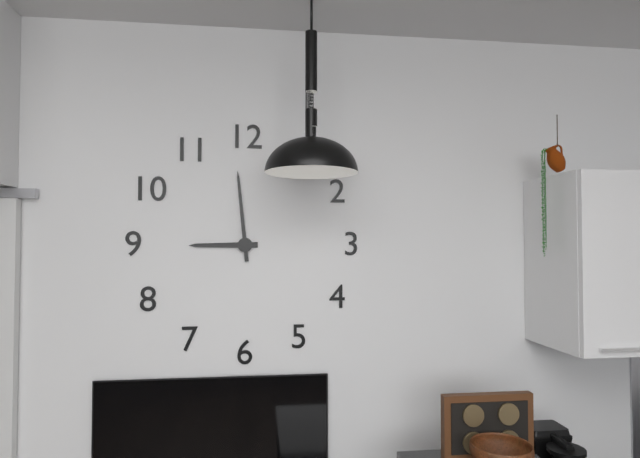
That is 8:59
